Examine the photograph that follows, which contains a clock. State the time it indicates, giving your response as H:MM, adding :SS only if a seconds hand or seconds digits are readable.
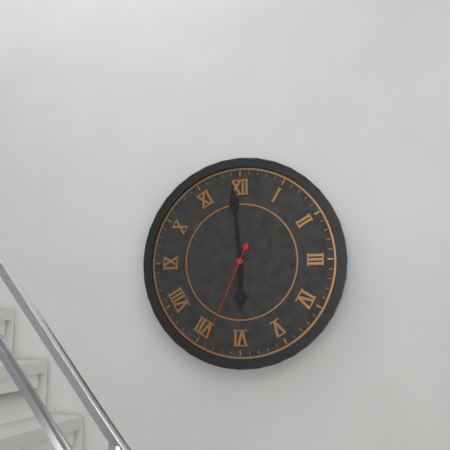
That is 5:59:34
